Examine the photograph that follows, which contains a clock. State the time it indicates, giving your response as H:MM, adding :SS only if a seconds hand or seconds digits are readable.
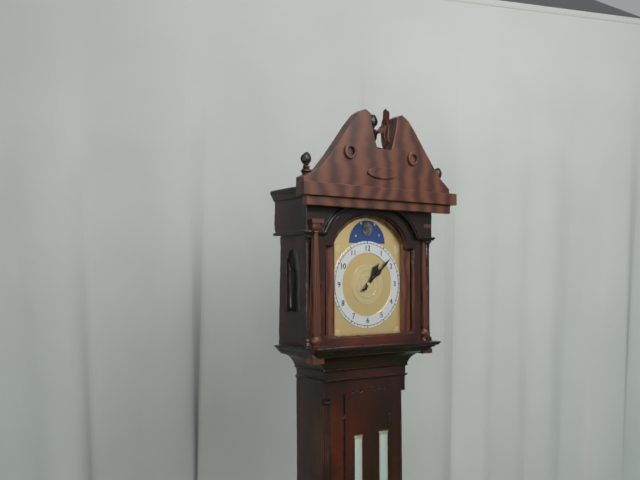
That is 1:08
